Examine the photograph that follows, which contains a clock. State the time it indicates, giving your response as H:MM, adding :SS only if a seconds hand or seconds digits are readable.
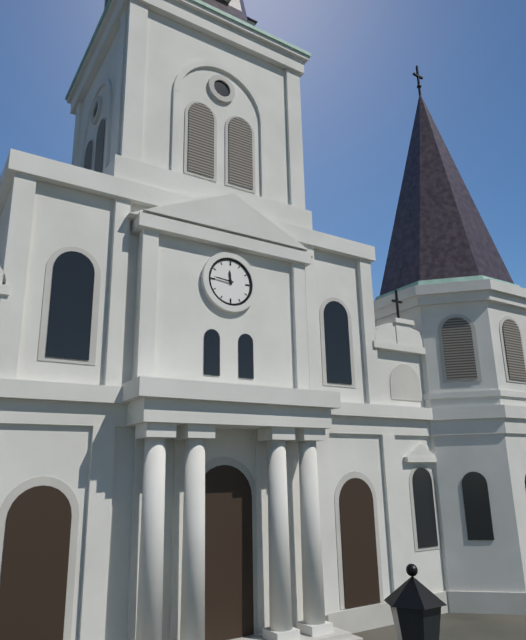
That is 11:46
